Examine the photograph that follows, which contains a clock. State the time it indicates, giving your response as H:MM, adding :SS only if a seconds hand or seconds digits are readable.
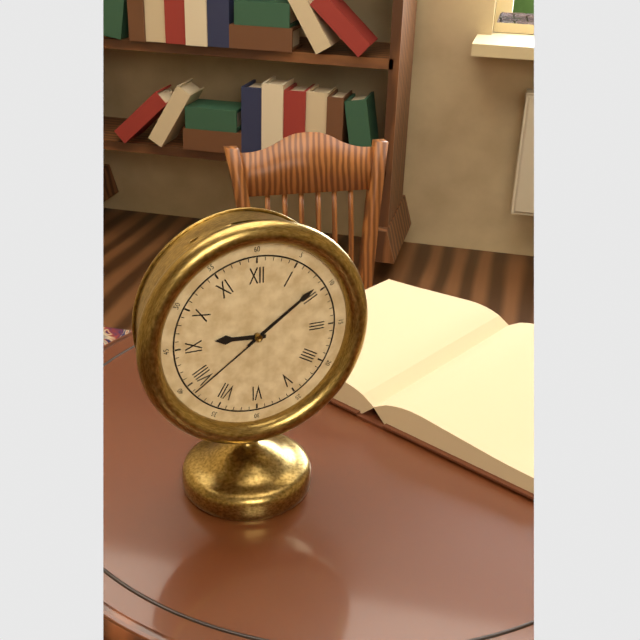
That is 9:09:39
